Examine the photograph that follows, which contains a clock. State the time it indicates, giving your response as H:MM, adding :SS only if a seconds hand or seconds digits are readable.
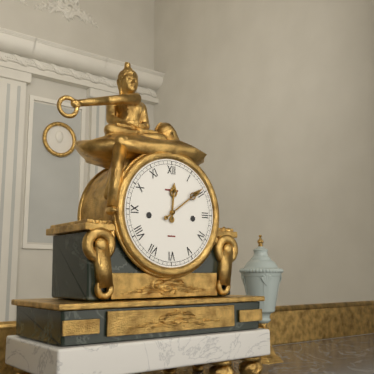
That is 12:09
